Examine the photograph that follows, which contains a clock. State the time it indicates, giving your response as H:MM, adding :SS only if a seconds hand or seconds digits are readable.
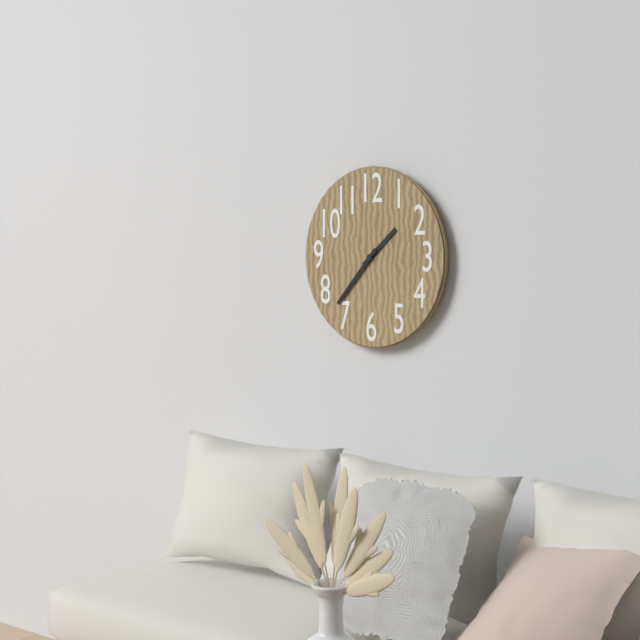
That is 1:37
